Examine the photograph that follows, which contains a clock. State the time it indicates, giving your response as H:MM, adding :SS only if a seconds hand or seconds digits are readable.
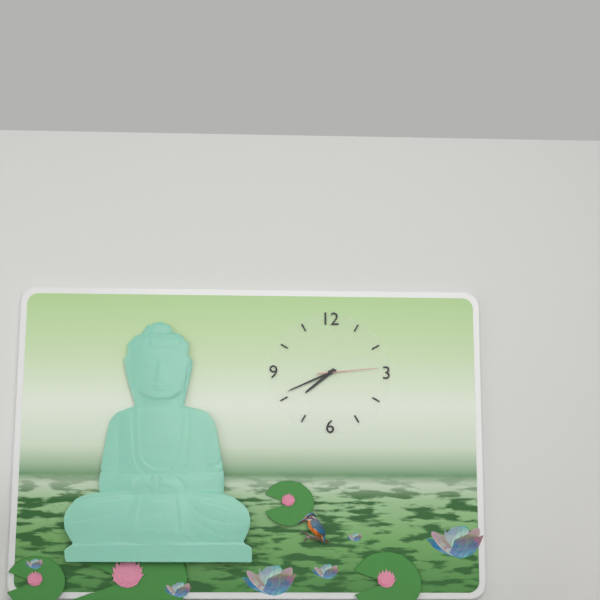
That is 7:41:14
